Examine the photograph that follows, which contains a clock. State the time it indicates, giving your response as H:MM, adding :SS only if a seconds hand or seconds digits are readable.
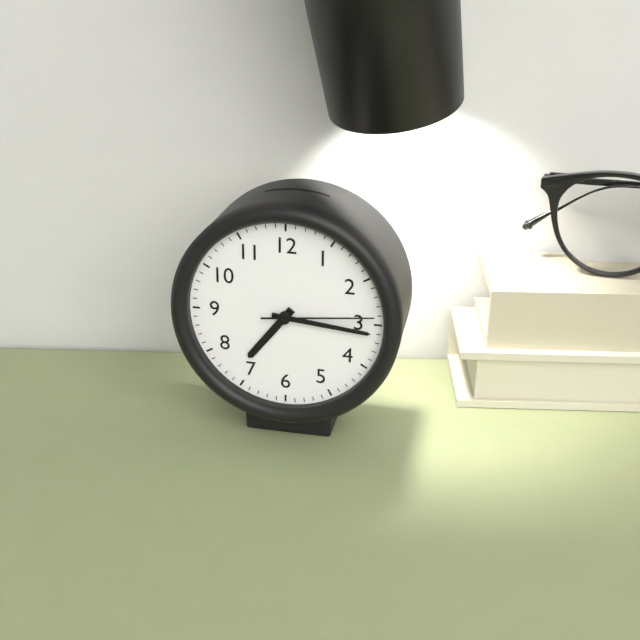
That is 7:16:14
